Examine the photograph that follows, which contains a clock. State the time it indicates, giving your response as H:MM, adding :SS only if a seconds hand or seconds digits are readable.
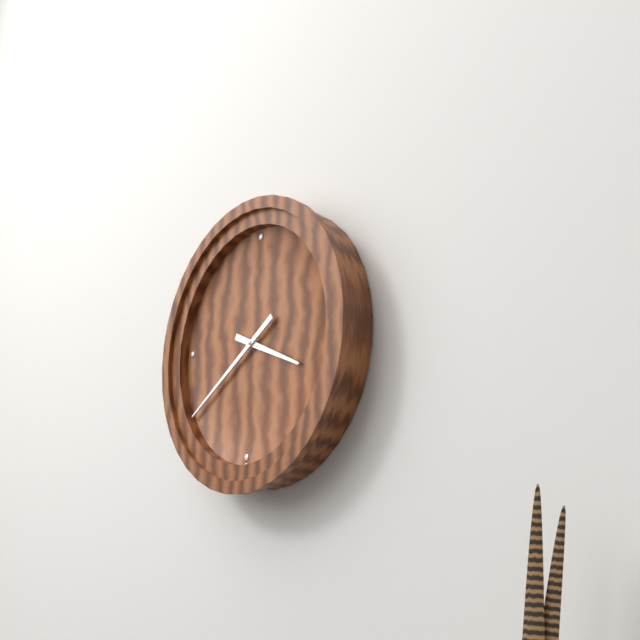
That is 3:39
